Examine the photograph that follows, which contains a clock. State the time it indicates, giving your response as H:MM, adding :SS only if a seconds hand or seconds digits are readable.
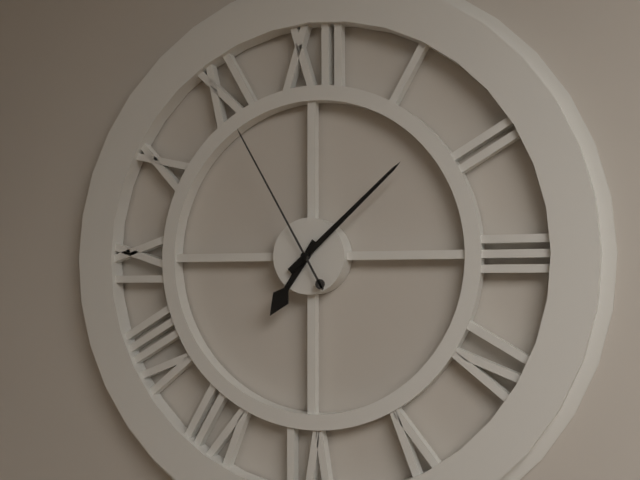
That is 7:08:55
